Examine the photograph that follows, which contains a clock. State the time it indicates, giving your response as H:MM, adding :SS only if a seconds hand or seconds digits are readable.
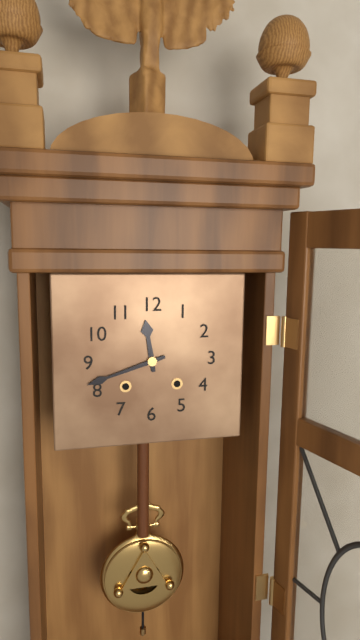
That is 11:42
